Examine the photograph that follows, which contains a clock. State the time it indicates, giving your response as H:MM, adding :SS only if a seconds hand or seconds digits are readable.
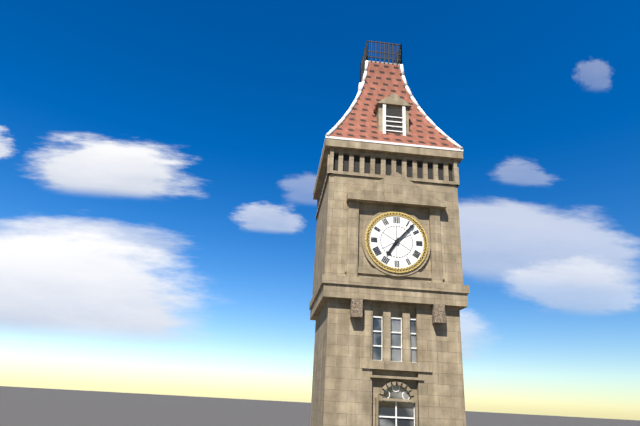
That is 7:07
